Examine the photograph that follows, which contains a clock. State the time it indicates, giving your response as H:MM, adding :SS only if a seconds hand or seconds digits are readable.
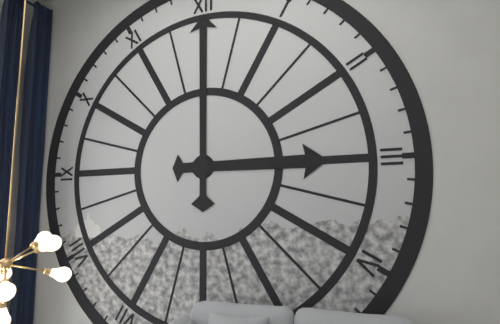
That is 3:00
